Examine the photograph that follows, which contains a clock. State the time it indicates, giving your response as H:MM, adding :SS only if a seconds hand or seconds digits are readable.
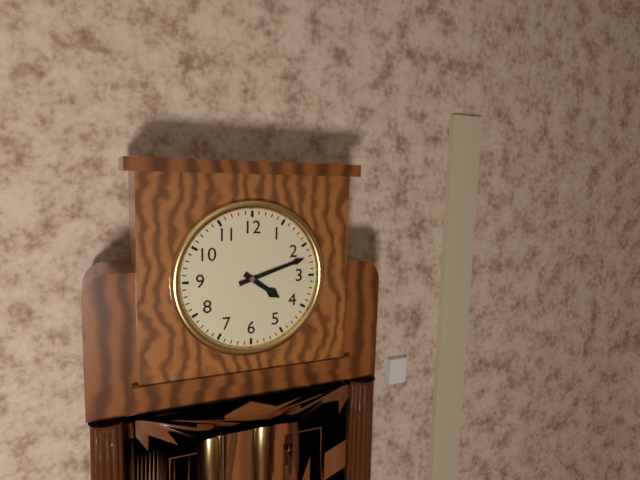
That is 4:12
